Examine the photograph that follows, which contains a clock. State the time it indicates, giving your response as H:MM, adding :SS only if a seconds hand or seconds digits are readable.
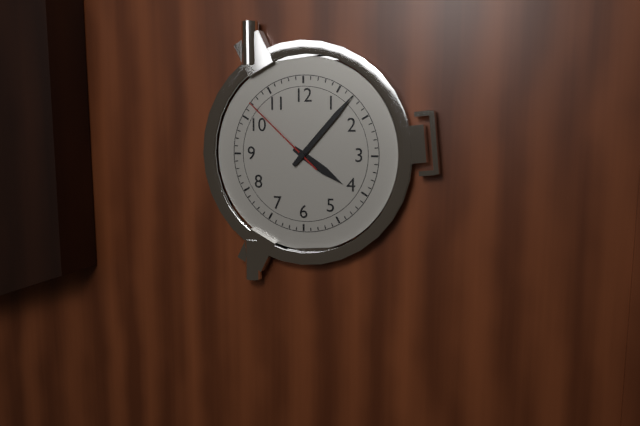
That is 4:07:52
